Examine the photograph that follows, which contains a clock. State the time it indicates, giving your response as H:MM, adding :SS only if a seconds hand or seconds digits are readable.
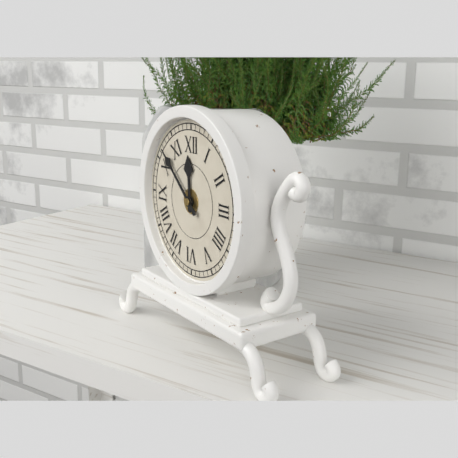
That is 11:52
